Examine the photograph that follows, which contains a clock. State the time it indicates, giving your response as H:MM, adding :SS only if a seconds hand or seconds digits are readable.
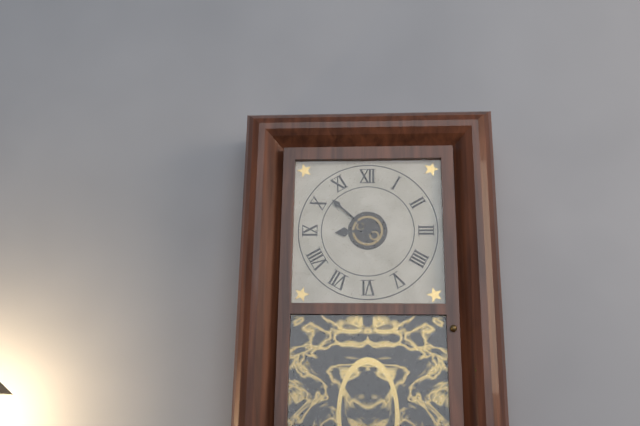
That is 8:52
